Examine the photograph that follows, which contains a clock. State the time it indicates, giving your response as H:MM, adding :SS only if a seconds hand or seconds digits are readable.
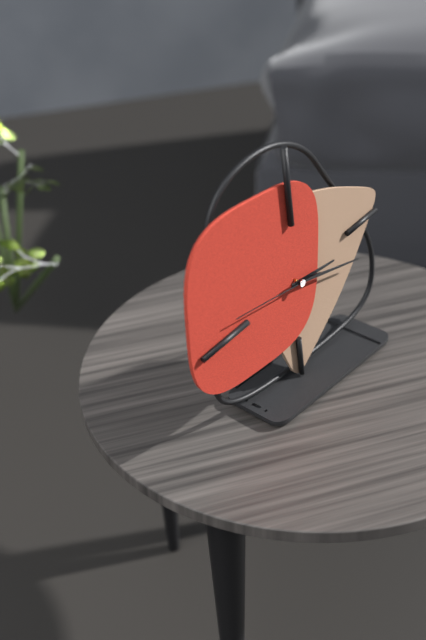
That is 3:18:47
